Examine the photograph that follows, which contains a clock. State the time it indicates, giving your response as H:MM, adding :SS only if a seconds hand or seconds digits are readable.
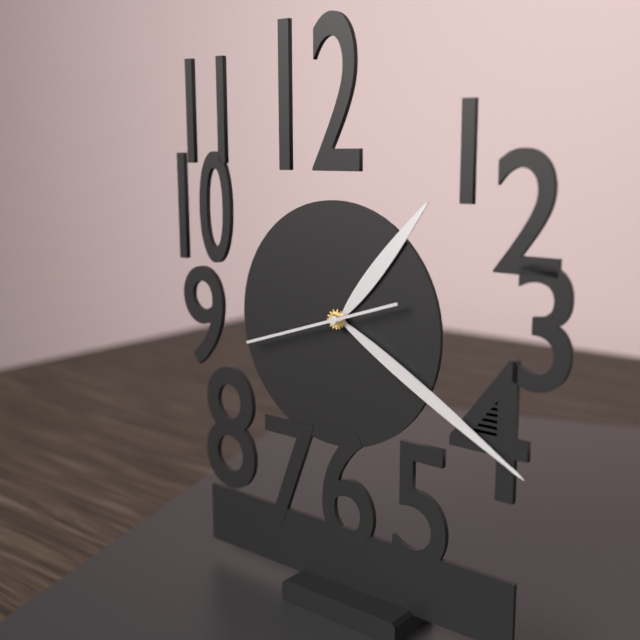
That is 1:20:42
